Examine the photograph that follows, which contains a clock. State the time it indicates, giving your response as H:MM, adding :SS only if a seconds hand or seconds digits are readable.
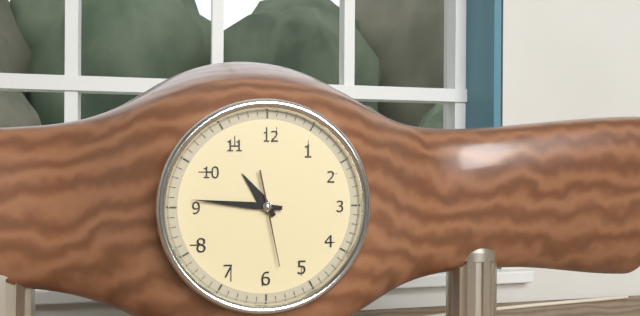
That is 10:46:28
